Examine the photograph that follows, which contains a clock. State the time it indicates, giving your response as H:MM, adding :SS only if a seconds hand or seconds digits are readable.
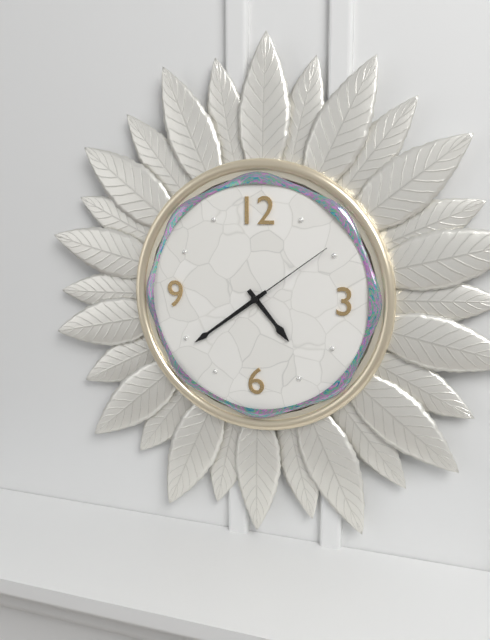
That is 4:39:09
